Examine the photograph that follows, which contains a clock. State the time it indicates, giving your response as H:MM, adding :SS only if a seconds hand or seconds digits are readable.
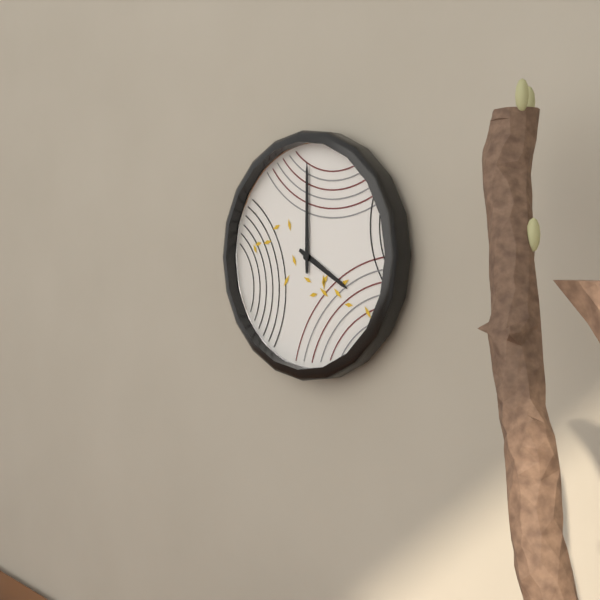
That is 4:00
